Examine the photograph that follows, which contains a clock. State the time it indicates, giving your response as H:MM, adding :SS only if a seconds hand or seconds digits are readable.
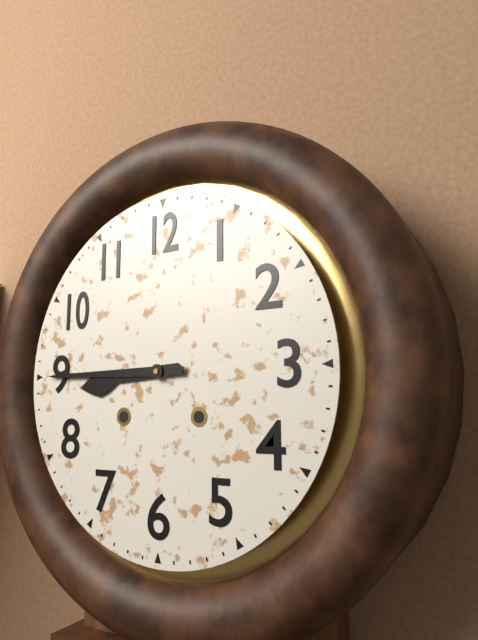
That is 8:45
